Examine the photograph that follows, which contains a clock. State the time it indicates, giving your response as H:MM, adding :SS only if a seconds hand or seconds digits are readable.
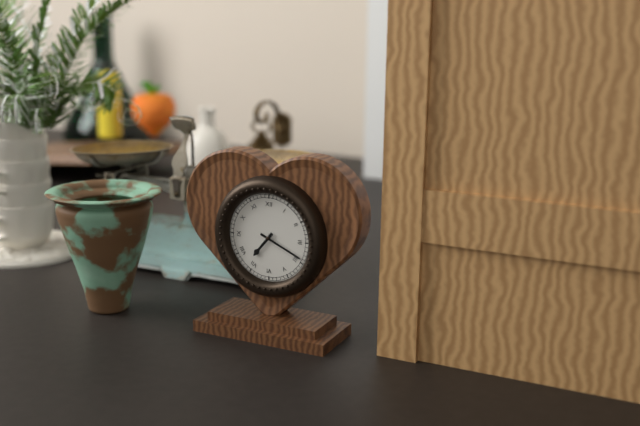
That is 7:19
